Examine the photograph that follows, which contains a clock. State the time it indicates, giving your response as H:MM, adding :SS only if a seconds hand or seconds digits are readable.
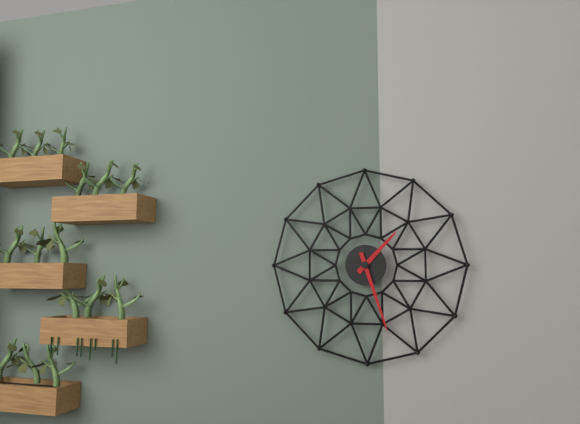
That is 1:27
